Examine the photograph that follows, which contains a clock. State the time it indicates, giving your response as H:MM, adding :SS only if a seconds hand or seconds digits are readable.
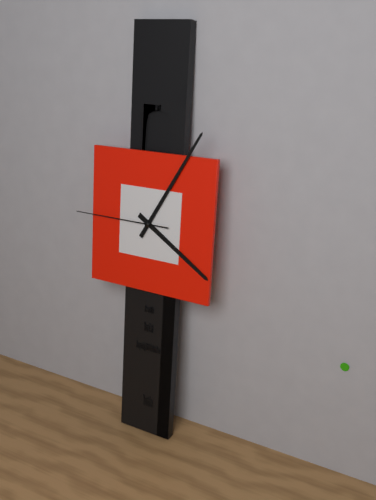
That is 4:05:45
